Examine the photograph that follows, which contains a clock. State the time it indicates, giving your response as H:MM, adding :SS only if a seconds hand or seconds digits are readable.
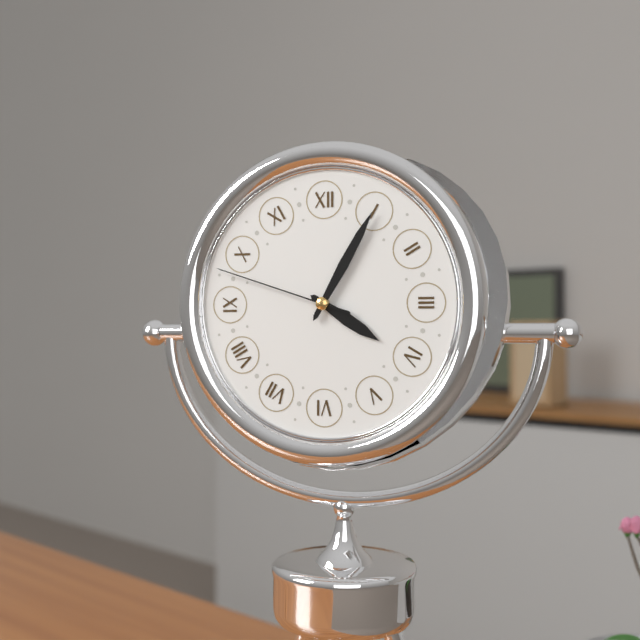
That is 4:05:48
